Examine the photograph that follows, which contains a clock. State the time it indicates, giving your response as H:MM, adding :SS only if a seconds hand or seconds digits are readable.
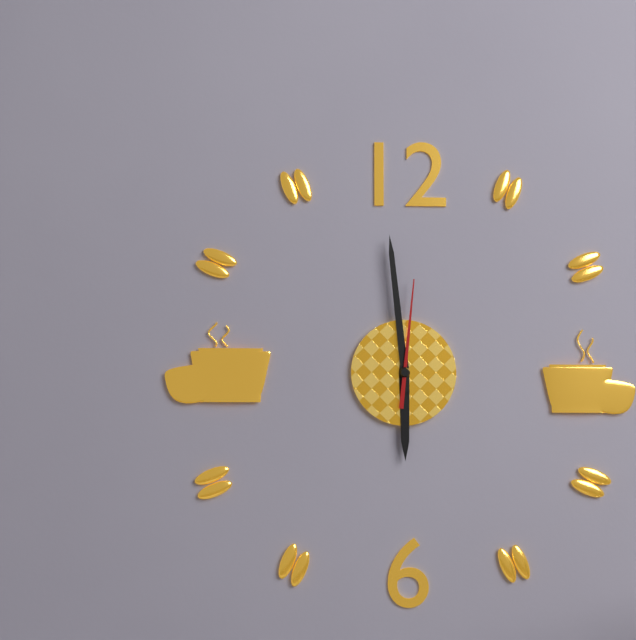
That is 5:59:01
